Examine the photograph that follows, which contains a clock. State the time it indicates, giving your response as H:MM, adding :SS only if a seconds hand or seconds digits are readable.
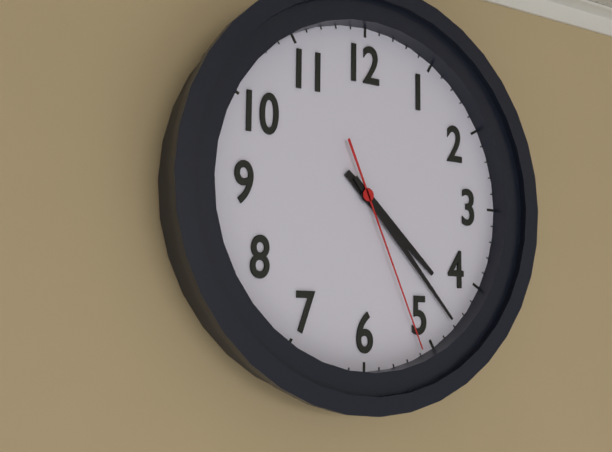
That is 4:23:26
